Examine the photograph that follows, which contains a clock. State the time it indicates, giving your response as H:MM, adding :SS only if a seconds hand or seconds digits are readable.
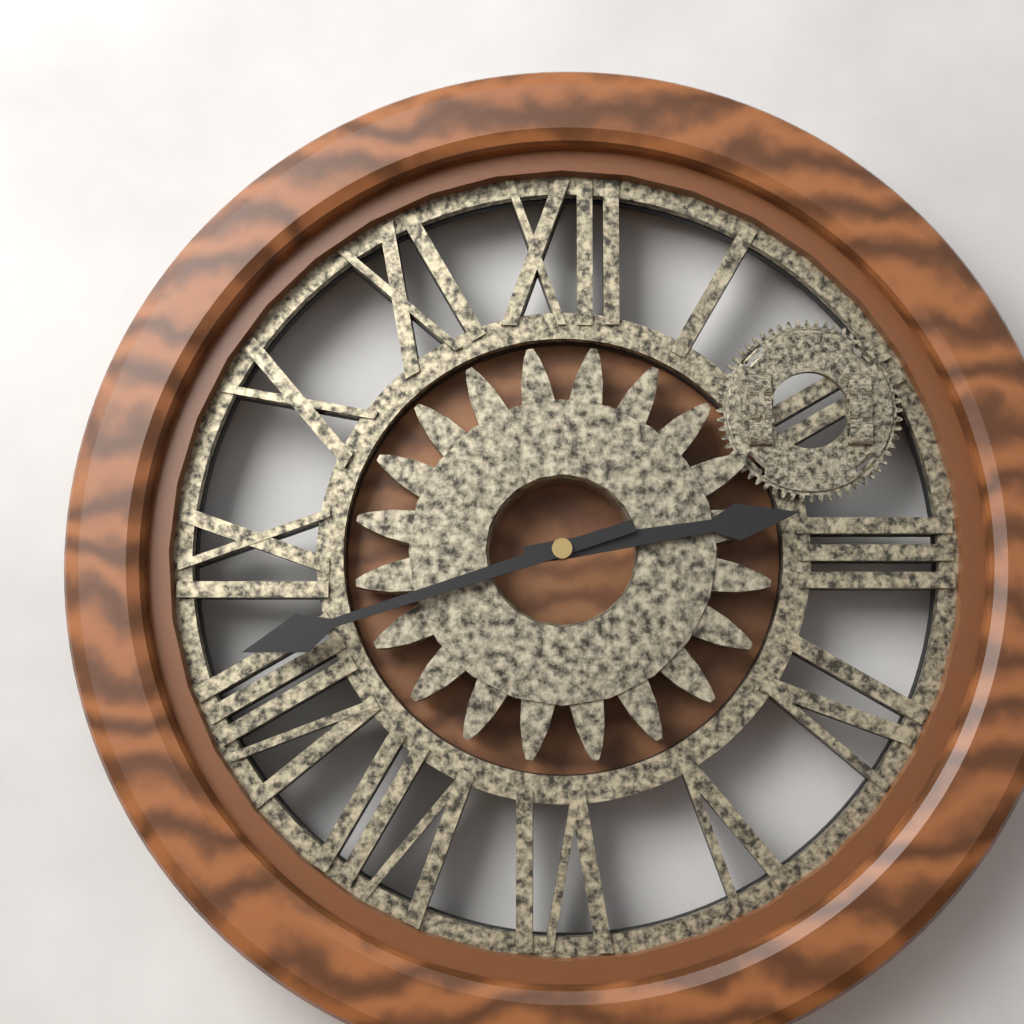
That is 2:42
